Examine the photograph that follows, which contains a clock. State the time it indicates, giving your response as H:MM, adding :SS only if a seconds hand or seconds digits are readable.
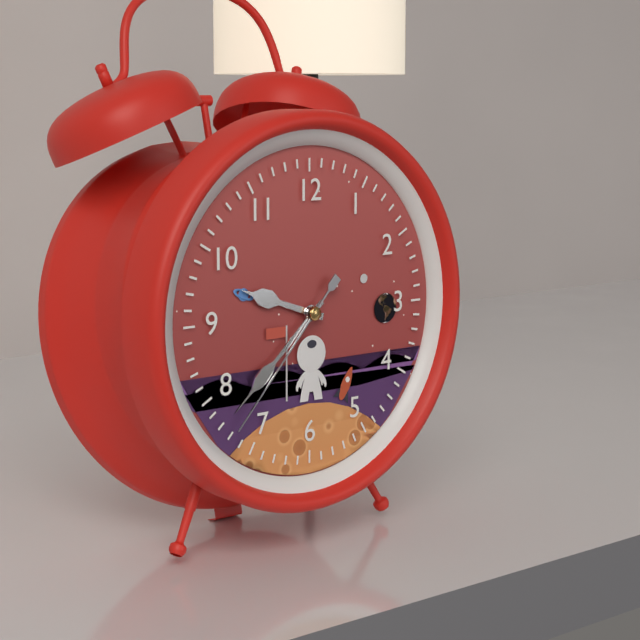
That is 9:38:37
